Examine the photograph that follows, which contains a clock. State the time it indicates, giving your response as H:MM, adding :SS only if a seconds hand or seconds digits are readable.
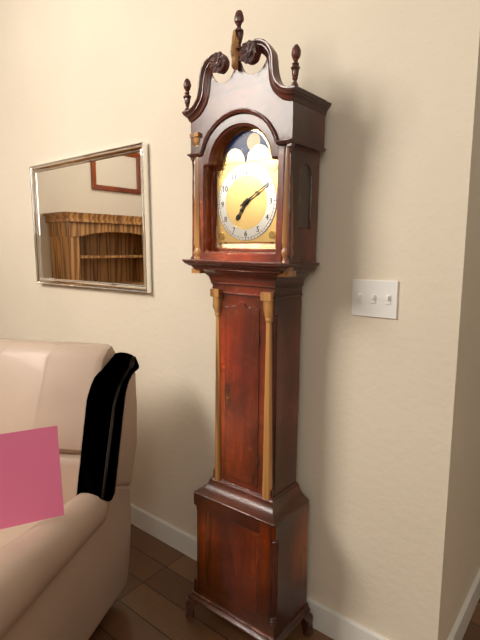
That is 7:10
